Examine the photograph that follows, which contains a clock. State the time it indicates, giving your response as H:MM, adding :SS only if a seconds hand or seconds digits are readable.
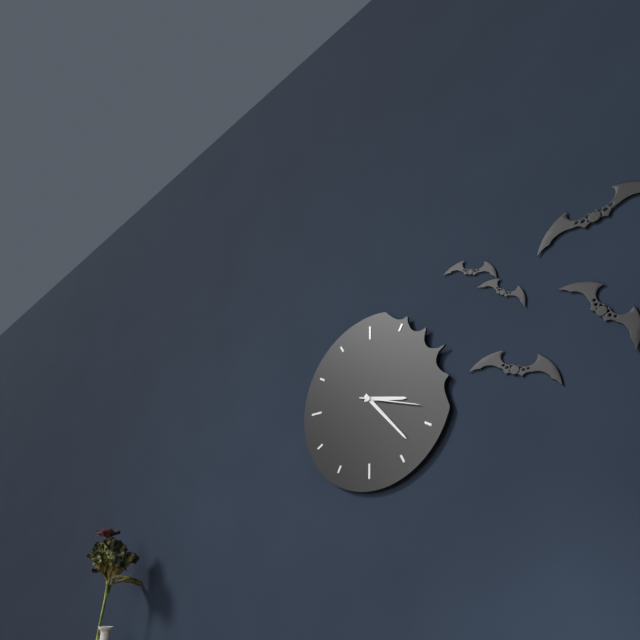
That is 3:23:18
